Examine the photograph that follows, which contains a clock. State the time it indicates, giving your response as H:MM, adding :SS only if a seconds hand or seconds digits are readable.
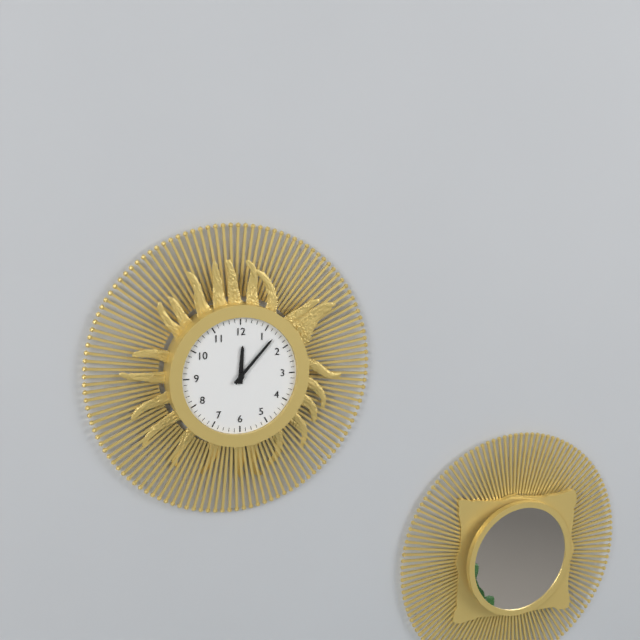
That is 12:07
